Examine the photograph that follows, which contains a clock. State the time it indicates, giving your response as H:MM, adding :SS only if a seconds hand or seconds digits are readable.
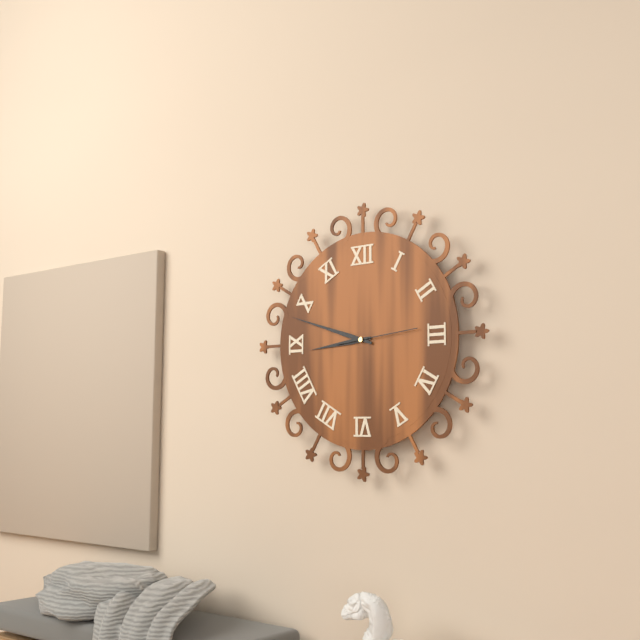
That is 8:48:14
